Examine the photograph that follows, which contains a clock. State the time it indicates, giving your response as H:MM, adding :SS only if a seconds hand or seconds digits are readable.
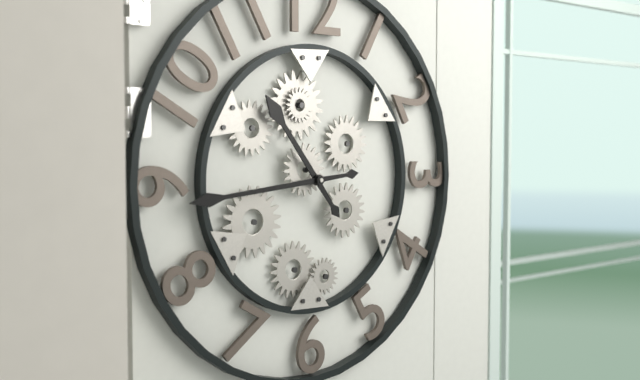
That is 10:44
